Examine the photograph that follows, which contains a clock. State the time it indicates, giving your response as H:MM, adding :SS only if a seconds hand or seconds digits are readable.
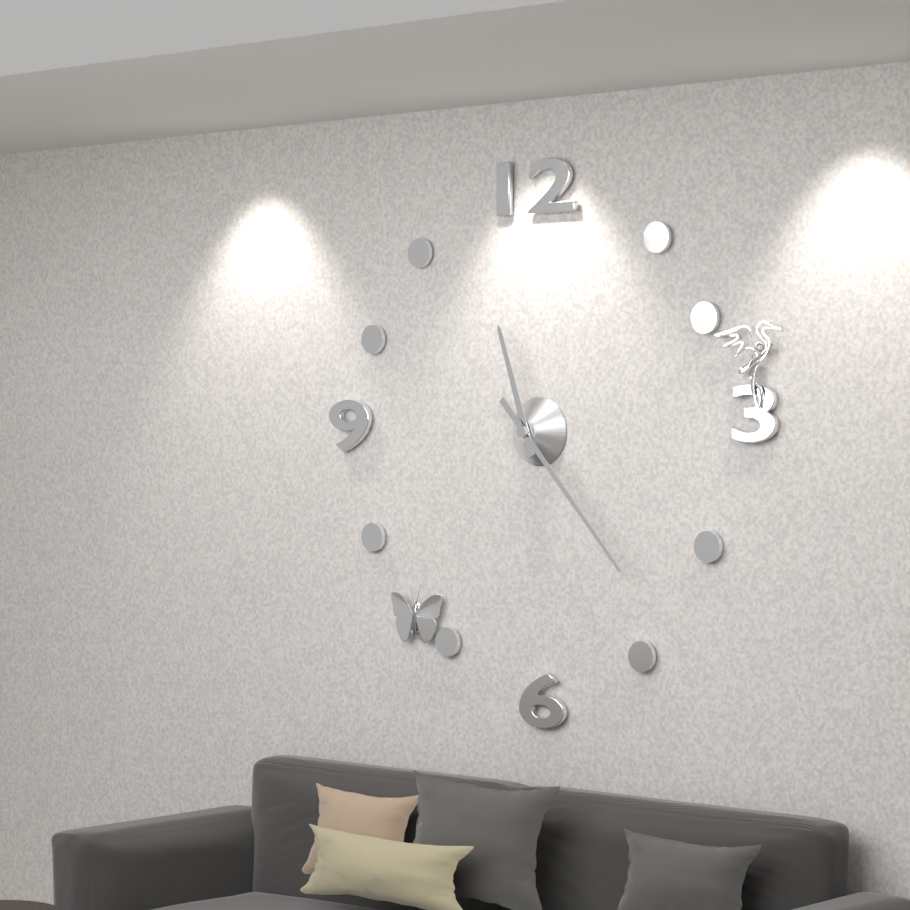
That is 11:23
